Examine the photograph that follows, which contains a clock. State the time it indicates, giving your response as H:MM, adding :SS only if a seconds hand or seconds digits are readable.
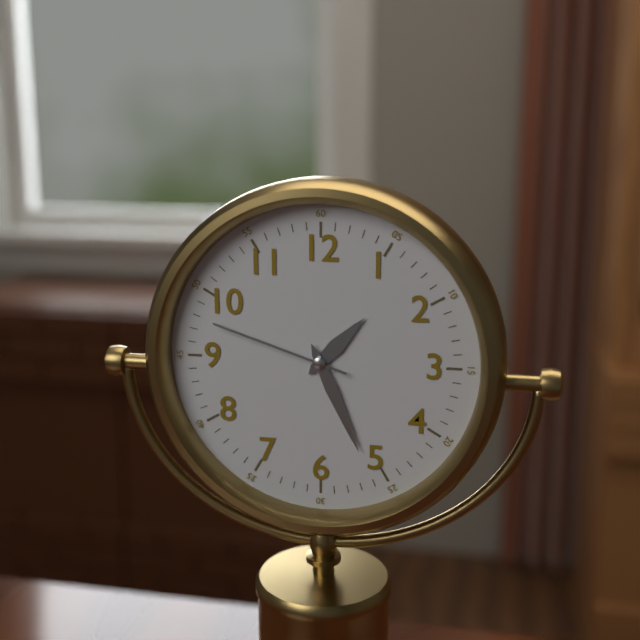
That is 1:26:48
